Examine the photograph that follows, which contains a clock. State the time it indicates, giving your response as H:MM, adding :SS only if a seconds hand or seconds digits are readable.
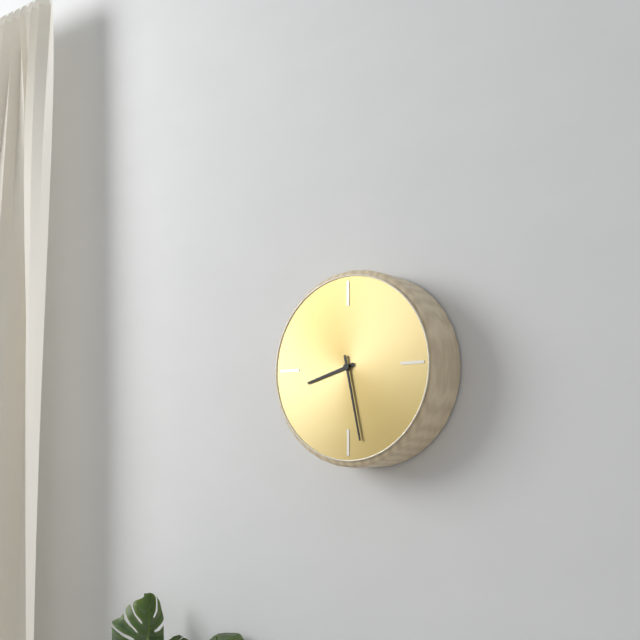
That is 8:28
